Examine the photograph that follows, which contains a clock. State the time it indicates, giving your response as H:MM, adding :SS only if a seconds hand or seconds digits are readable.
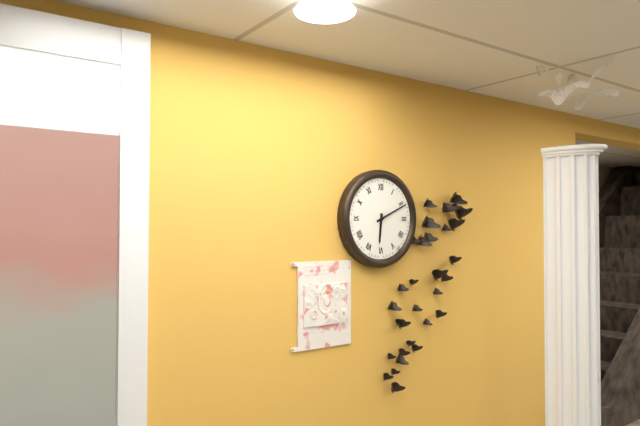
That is 6:11
